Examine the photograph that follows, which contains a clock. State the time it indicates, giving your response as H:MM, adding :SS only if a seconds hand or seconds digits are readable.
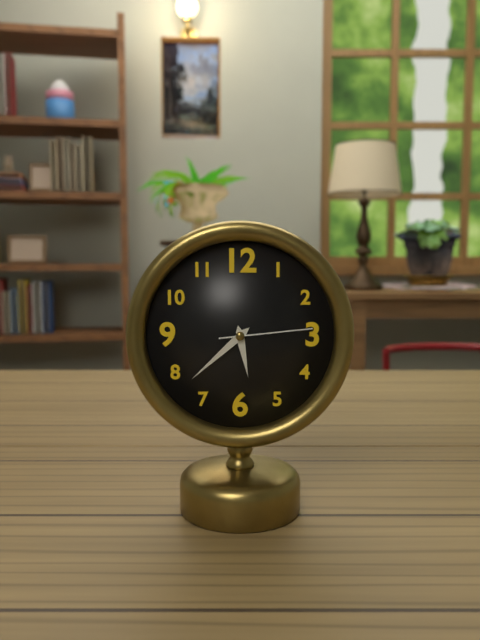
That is 5:38:14
